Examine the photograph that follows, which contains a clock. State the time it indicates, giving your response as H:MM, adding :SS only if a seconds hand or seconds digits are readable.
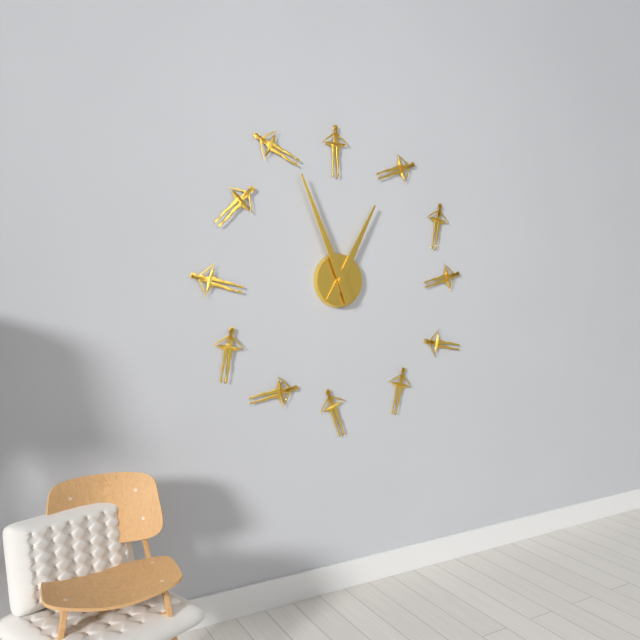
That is 12:56
